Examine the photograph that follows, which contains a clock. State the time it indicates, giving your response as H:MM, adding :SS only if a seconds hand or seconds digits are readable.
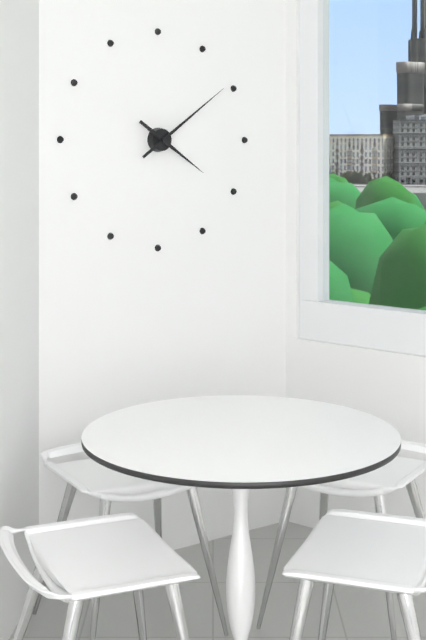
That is 4:09
